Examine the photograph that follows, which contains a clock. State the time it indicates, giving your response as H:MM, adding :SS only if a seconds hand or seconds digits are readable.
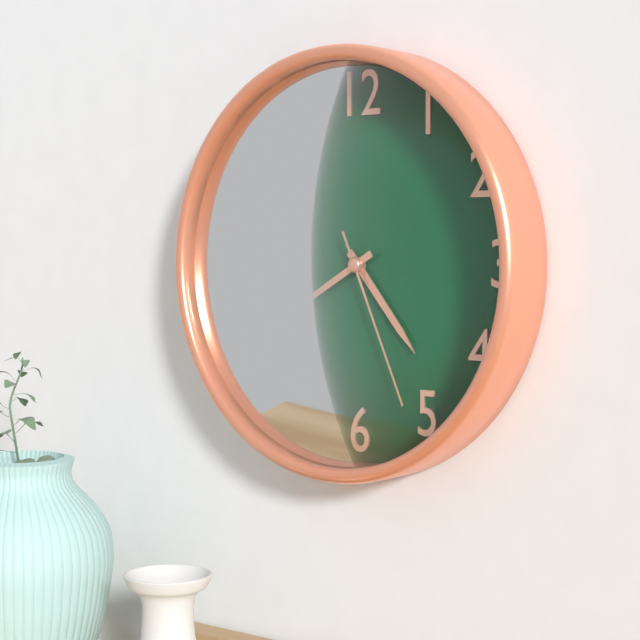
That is 4:40:26
